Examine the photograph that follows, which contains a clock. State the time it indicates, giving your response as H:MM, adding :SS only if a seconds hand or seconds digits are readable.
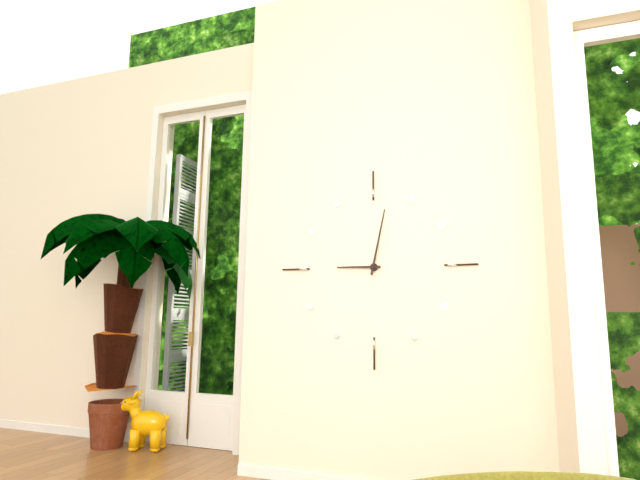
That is 9:02
